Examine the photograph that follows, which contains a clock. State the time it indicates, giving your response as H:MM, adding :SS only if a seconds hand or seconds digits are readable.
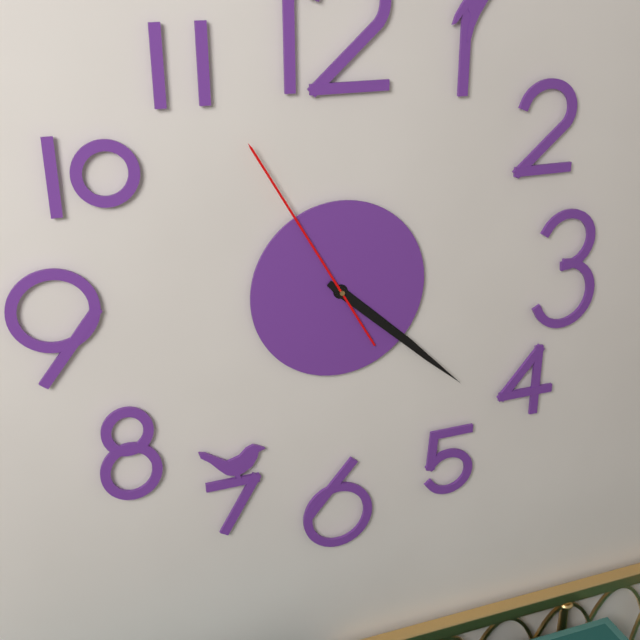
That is 4:22:55
